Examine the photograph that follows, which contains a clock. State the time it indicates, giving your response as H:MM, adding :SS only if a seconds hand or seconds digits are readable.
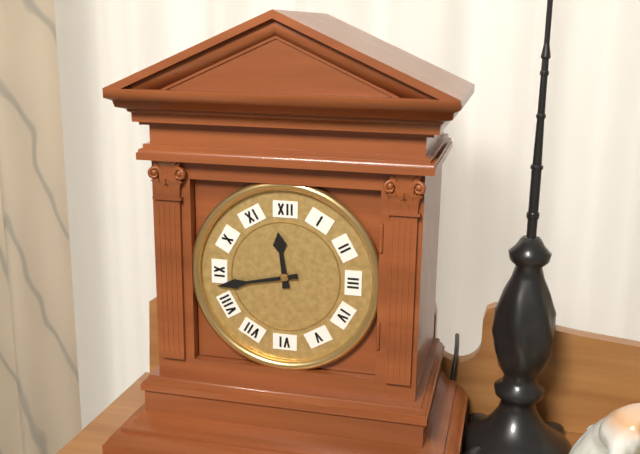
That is 11:43
